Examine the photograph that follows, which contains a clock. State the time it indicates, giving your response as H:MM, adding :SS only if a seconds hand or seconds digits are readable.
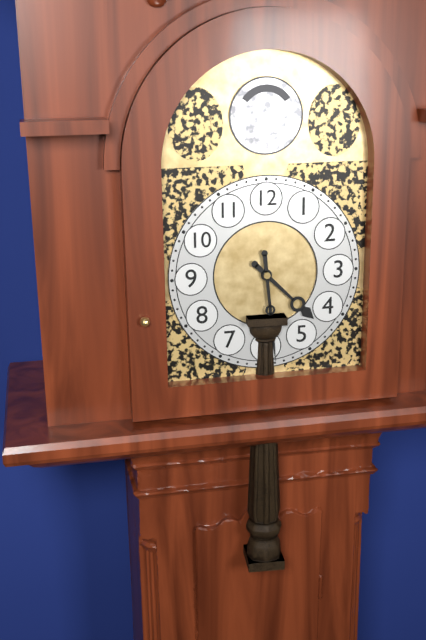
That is 4:29
